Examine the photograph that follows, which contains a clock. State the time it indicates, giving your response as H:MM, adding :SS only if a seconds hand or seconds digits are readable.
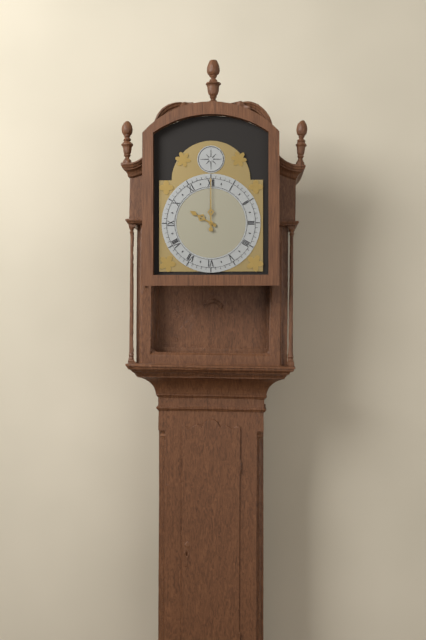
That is 10:00
